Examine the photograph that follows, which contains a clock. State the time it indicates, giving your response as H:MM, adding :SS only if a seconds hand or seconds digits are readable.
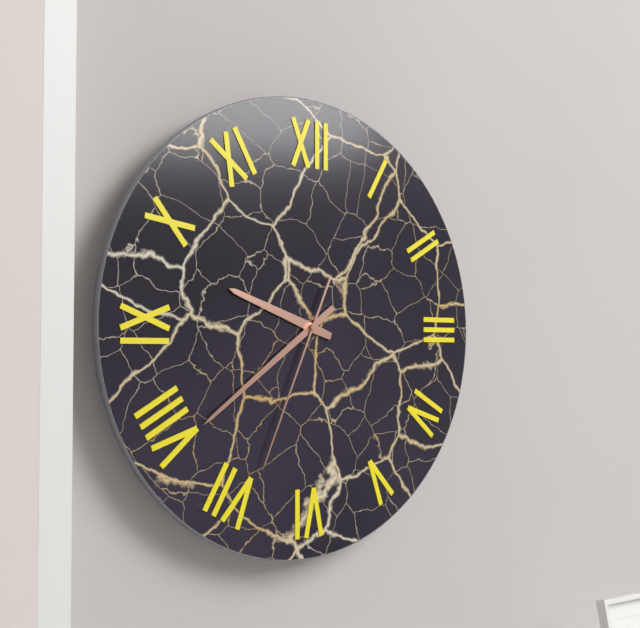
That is 9:39:34
